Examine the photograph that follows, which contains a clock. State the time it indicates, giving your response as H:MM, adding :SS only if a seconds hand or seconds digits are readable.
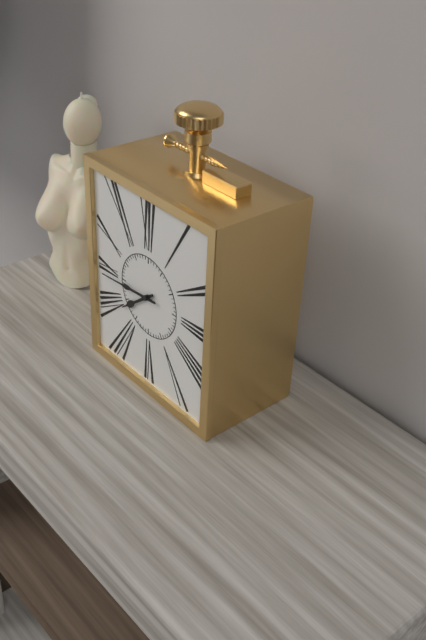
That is 7:44
